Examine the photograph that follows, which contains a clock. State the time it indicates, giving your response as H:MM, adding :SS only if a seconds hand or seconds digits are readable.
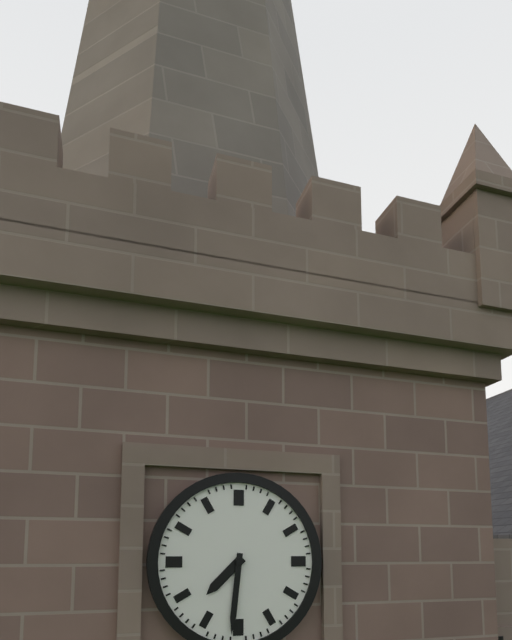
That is 7:31
